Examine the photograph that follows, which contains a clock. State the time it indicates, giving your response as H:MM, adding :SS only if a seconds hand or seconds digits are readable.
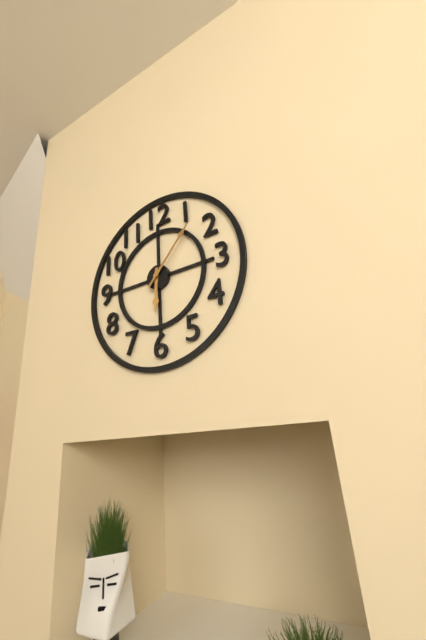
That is 6:07
